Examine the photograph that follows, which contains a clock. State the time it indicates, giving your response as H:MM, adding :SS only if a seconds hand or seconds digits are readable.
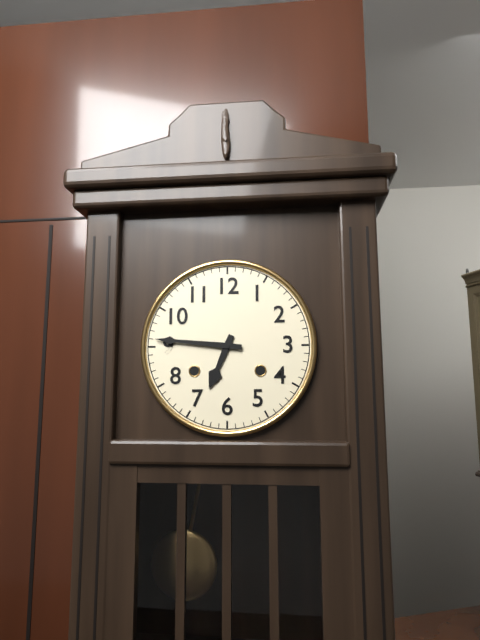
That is 6:46
